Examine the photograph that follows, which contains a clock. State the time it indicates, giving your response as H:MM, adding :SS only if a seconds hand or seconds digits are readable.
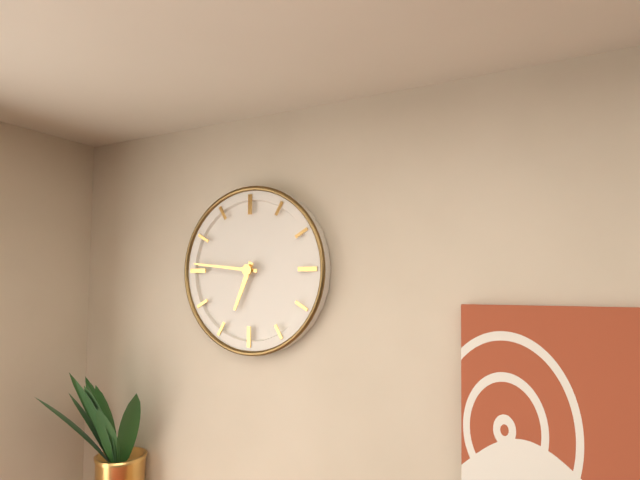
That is 6:46
